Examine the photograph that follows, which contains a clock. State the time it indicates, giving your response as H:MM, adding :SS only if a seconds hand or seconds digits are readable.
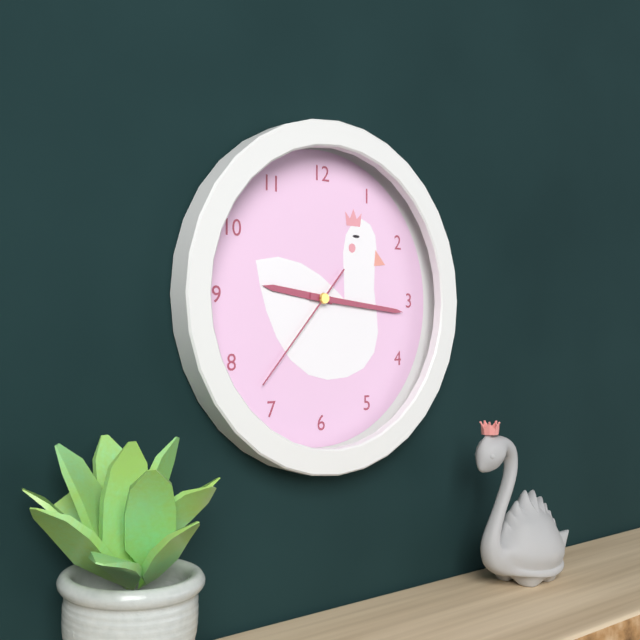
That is 9:16:37
